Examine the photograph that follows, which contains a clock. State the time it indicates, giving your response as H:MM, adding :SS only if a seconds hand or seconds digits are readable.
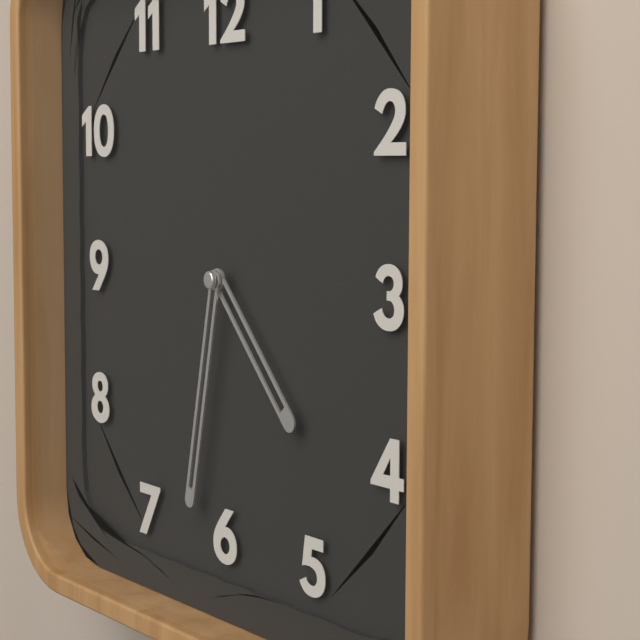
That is 4:32
